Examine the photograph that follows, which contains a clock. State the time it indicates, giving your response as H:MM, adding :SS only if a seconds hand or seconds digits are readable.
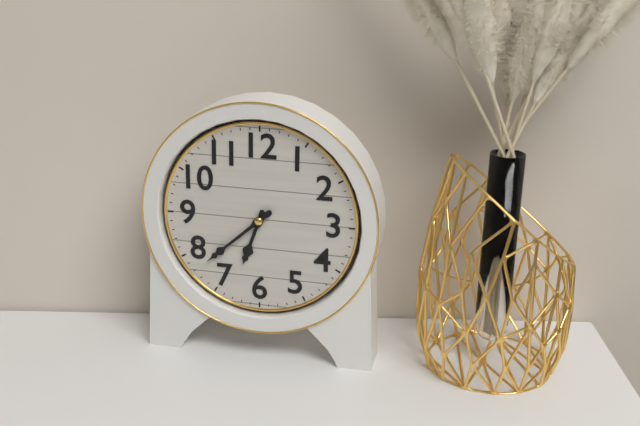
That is 6:38
